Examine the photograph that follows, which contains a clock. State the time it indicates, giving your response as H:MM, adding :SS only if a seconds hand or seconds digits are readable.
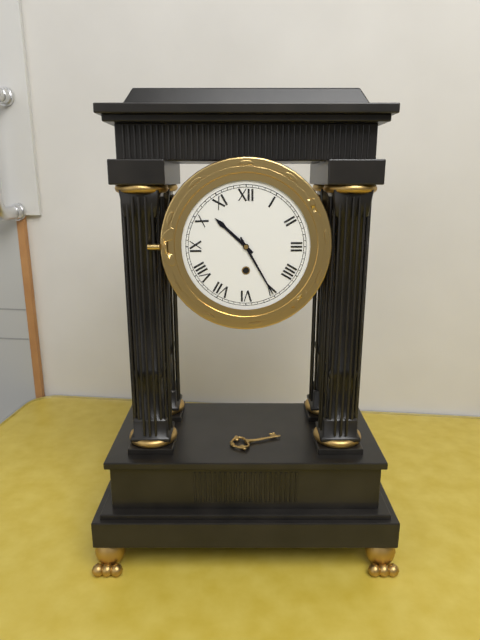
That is 10:25
